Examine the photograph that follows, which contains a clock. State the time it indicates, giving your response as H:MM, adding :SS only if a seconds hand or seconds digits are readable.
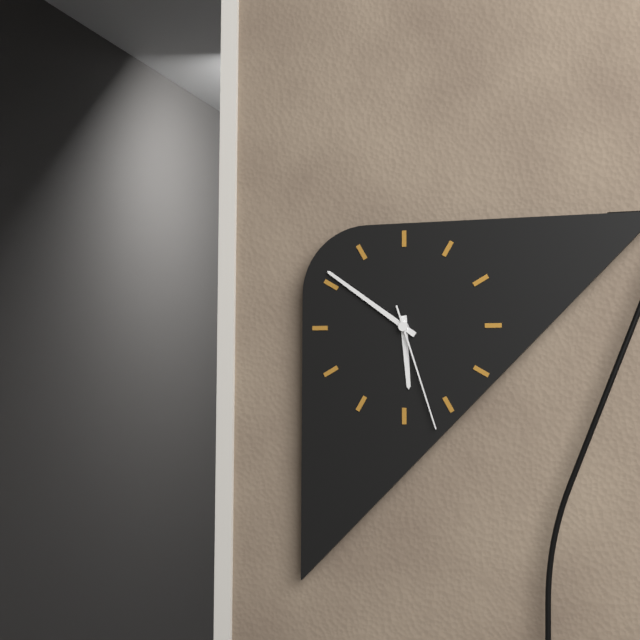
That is 5:51:27
